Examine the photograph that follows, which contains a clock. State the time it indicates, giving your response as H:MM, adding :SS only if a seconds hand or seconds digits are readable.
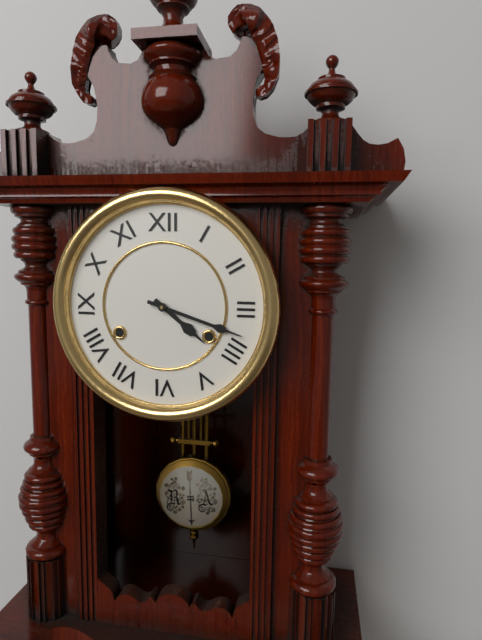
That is 4:18
